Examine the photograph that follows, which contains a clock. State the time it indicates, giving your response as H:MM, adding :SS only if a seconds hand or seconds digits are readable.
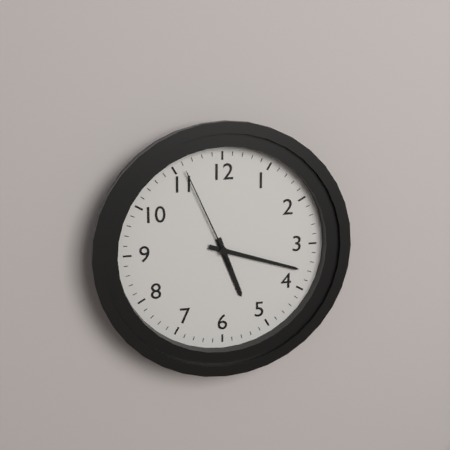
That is 5:18:56
